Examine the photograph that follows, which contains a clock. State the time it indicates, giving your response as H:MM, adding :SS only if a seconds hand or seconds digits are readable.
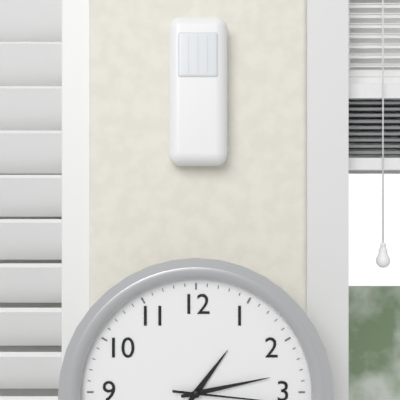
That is 1:13
